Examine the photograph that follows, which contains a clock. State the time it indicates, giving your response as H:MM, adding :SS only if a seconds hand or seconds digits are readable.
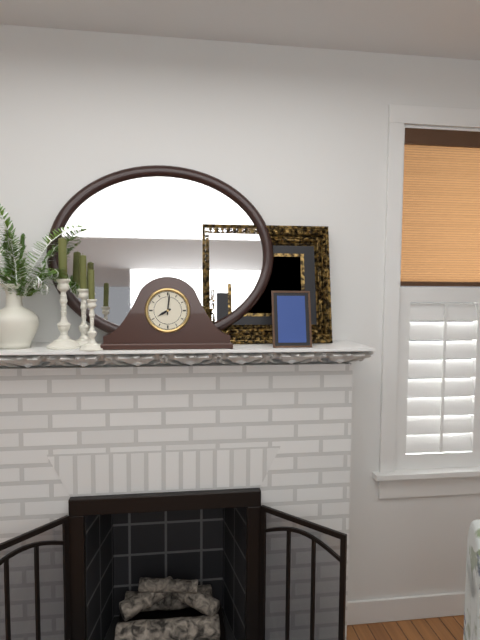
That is 8:01
